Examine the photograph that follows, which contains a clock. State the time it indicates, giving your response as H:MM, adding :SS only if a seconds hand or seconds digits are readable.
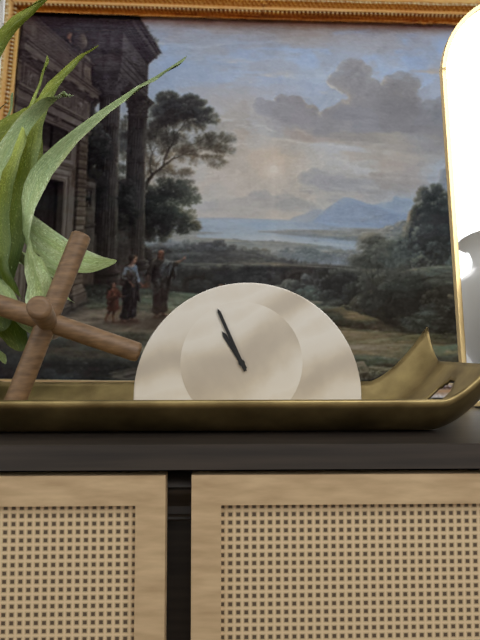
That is 10:56
